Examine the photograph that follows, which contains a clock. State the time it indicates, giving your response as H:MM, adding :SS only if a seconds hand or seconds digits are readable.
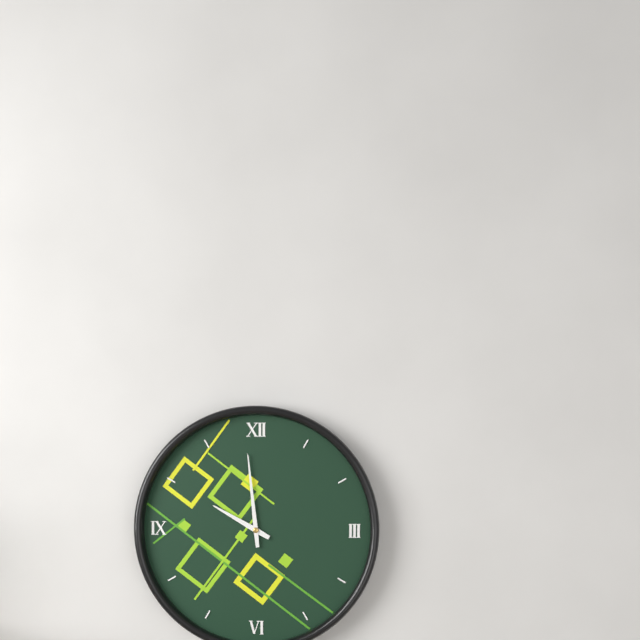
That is 9:59
